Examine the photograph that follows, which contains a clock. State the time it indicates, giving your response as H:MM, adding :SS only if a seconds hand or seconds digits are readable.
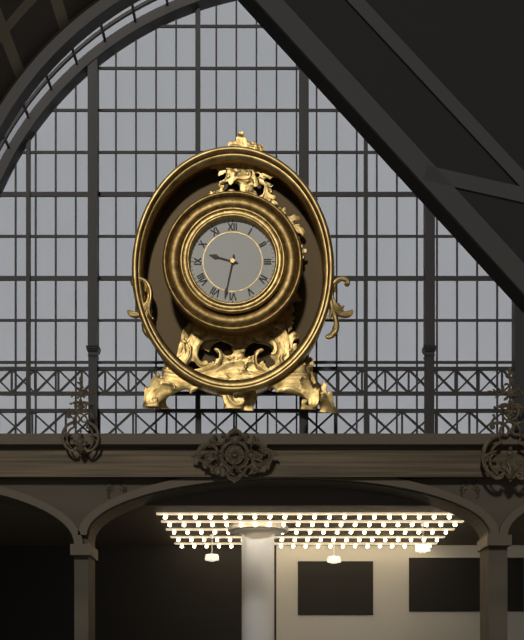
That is 9:32
